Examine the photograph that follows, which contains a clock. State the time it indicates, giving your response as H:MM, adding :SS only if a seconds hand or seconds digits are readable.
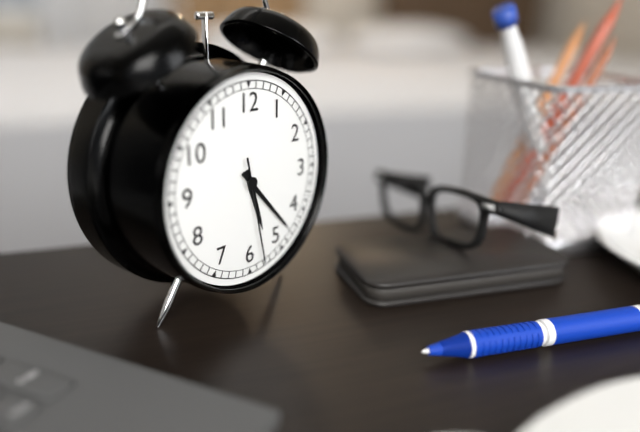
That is 5:23:28
